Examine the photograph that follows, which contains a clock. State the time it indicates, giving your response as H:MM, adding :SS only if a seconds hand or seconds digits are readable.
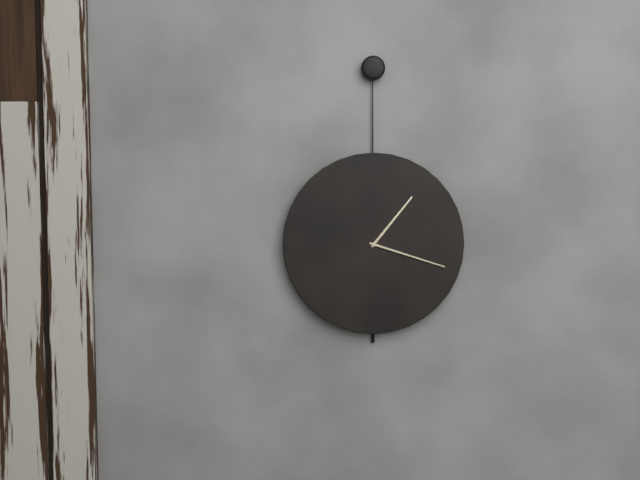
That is 1:18
